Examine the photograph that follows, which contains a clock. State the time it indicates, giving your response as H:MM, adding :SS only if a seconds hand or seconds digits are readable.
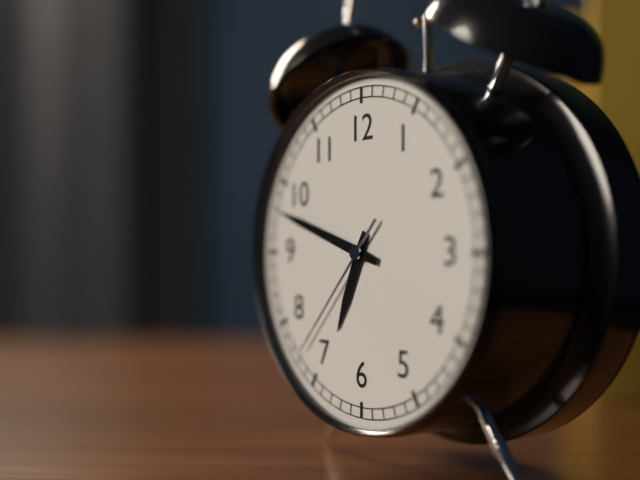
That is 6:48:37
